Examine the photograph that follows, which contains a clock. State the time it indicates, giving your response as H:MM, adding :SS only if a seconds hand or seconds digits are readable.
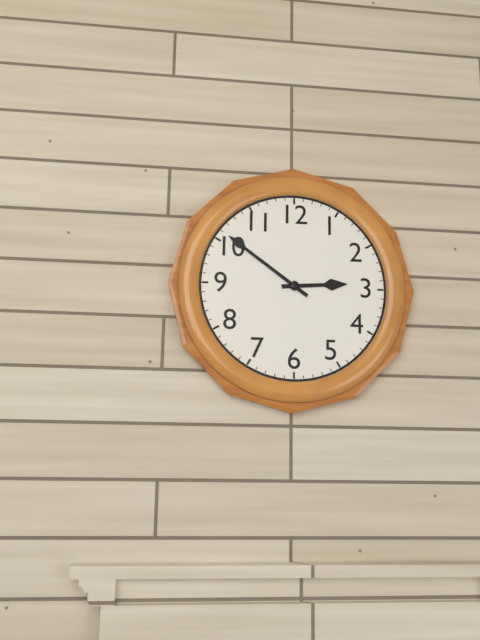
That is 2:51
